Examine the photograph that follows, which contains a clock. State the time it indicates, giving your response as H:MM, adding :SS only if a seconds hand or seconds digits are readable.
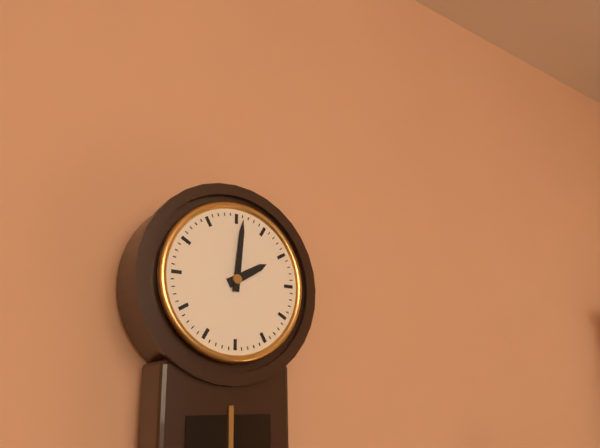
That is 2:01
